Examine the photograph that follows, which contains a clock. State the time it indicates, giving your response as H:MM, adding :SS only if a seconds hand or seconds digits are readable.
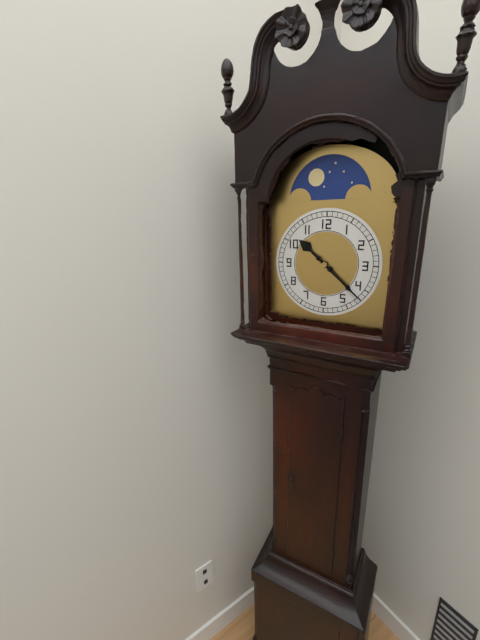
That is 10:22
